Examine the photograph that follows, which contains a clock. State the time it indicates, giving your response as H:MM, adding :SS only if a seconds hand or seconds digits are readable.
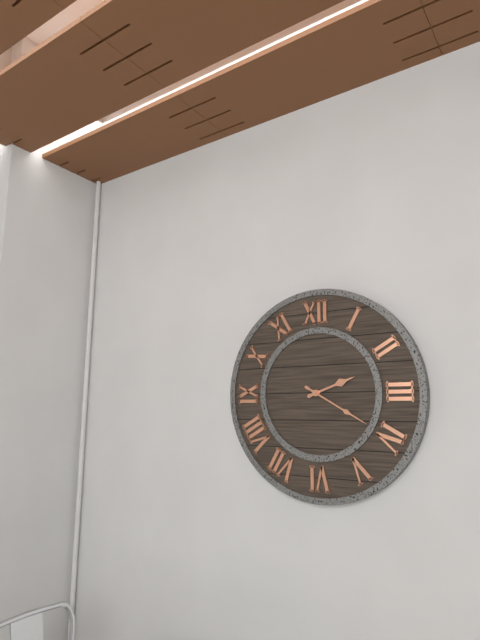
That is 2:20
